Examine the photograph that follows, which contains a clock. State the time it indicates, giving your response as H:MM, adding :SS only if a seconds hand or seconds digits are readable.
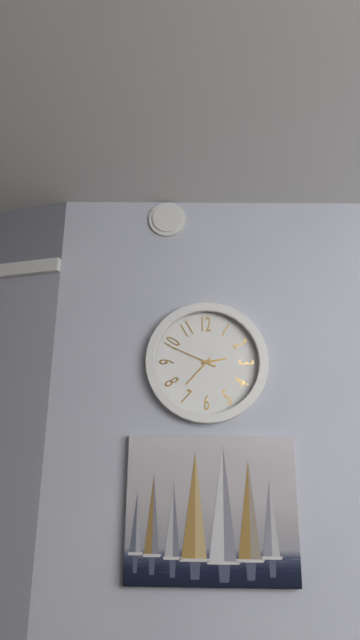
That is 2:37
